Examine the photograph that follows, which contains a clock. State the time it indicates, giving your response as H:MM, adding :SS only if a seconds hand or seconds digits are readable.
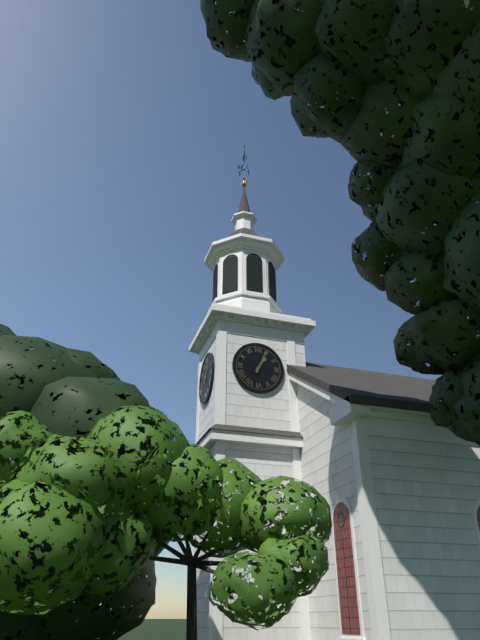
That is 1:04
